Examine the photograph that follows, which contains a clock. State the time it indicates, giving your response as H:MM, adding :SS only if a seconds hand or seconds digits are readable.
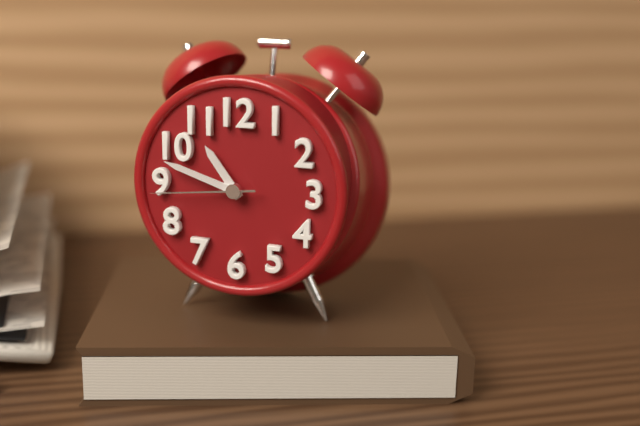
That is 10:48:44
